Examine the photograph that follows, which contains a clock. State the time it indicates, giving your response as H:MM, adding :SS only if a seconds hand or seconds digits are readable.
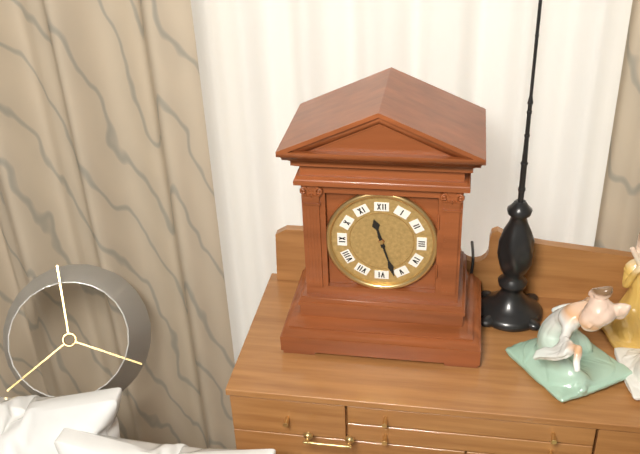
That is 11:27
